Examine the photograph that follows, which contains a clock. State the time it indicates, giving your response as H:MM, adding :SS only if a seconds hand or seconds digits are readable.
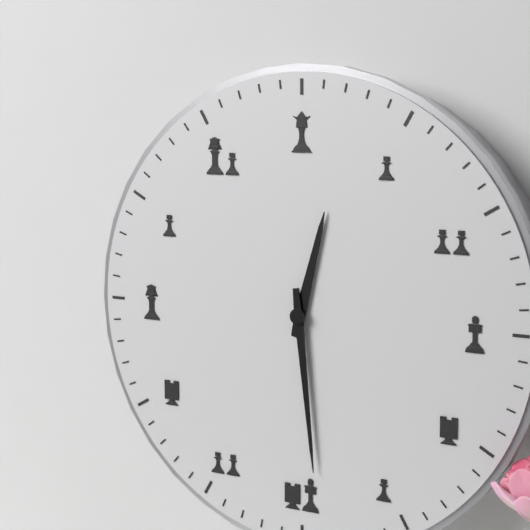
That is 12:29
